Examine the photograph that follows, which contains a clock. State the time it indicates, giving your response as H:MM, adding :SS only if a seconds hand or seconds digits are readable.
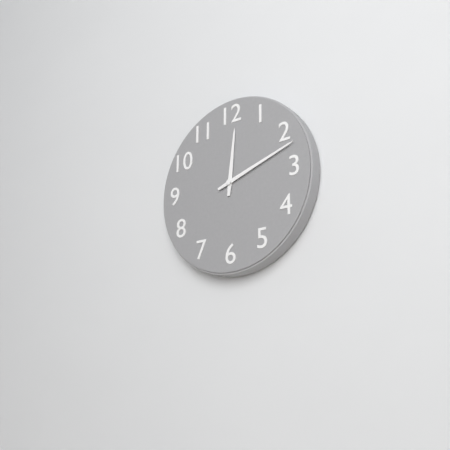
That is 12:12
